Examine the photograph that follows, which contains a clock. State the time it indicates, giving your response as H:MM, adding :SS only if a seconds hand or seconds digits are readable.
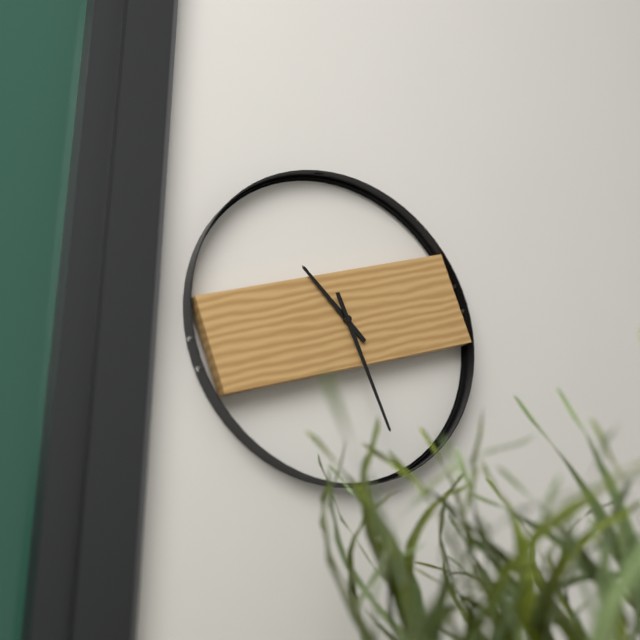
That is 10:26
